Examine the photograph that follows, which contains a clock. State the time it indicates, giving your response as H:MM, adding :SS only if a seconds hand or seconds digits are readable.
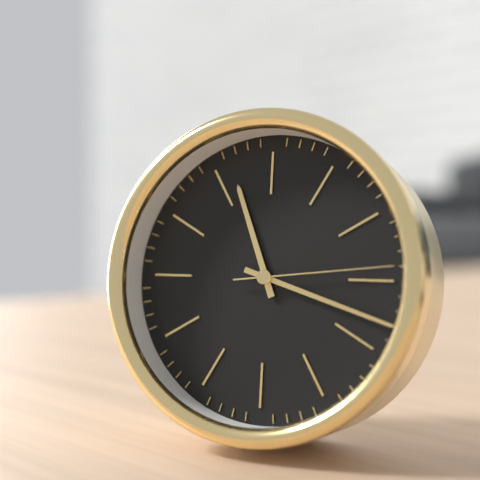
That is 11:18:14
